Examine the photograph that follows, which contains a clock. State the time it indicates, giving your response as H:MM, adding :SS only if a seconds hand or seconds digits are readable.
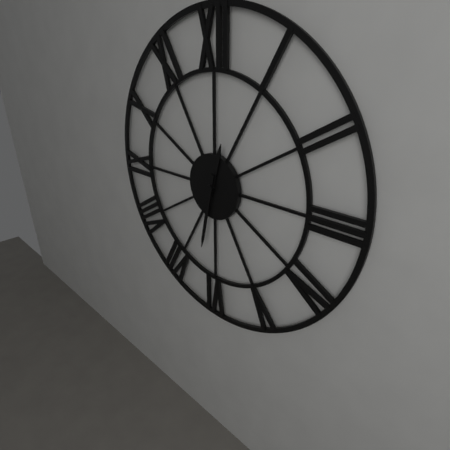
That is 12:32
